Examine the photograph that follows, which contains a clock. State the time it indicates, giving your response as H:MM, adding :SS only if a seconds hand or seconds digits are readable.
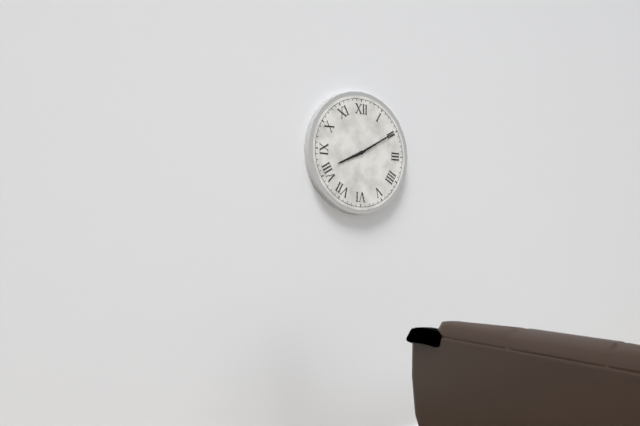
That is 8:10
